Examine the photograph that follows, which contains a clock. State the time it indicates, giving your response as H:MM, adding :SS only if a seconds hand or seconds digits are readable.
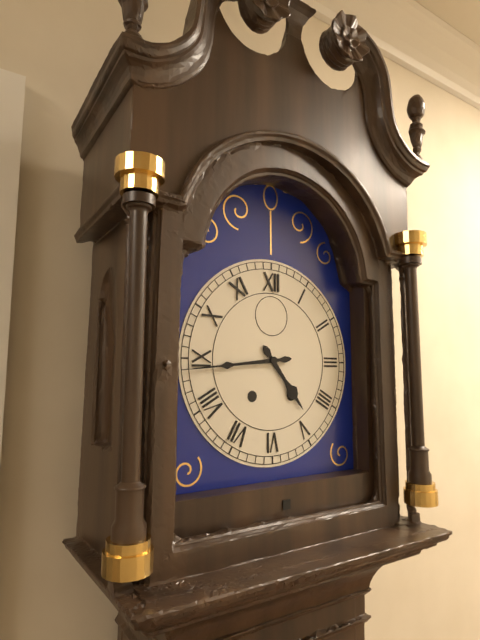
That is 4:44
